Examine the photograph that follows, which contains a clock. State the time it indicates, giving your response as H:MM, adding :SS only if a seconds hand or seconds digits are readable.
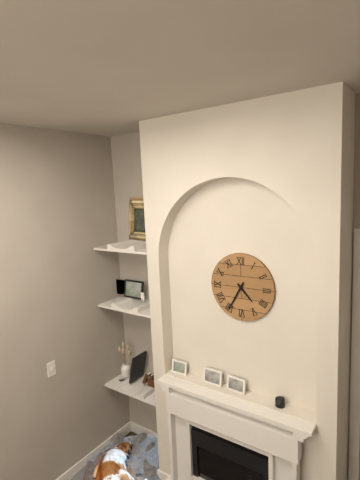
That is 4:35
